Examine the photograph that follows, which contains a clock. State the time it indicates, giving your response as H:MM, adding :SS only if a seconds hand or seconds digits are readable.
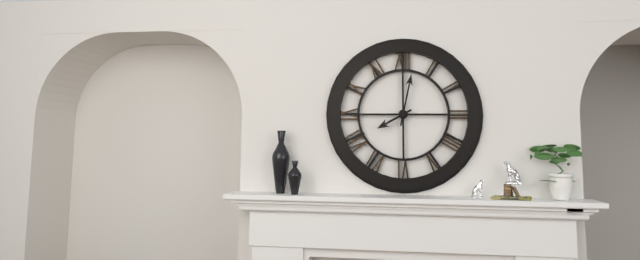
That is 8:02
